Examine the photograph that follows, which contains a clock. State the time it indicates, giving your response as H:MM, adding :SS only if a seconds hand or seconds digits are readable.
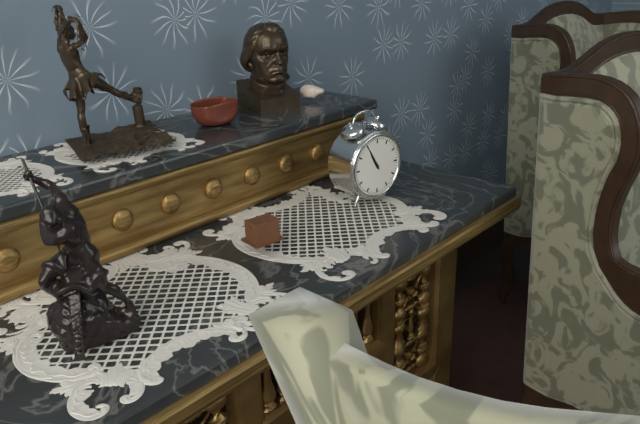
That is 10:55
